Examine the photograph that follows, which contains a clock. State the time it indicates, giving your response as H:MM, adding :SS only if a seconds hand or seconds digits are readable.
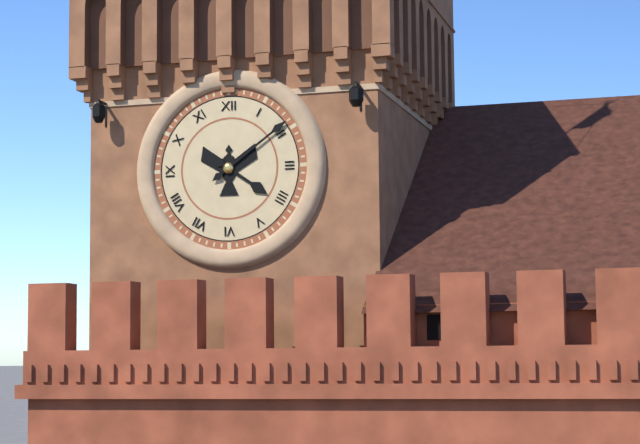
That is 4:09
